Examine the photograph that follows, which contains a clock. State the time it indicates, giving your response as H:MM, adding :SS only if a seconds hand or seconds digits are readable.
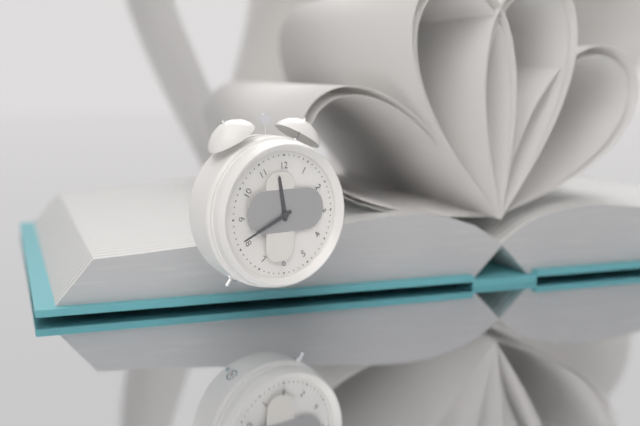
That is 11:41
